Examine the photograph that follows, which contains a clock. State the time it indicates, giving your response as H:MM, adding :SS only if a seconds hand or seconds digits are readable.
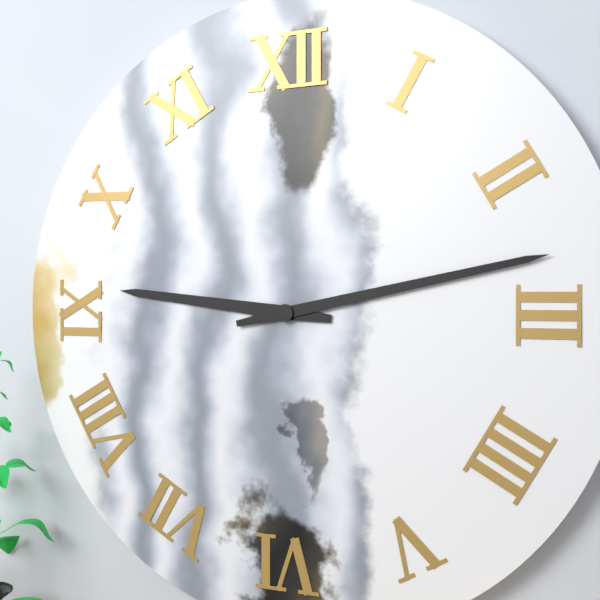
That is 9:13
